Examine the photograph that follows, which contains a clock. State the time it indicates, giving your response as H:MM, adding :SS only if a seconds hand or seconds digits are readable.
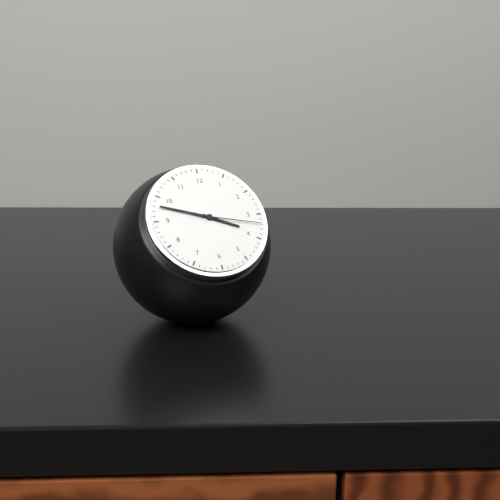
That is 3:48:17
